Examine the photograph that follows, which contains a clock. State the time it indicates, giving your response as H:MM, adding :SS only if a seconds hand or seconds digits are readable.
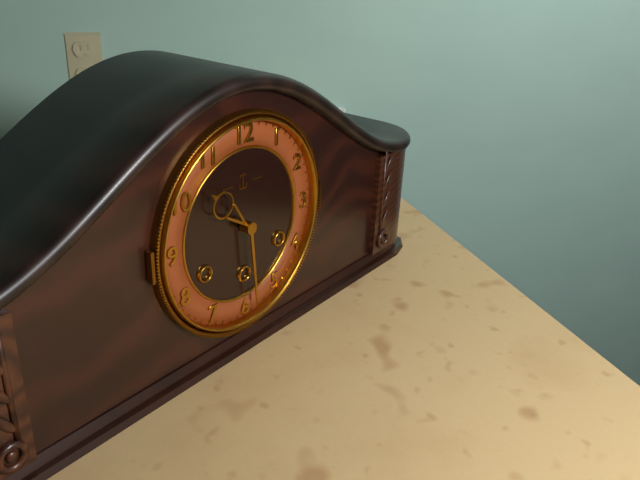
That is 10:29
